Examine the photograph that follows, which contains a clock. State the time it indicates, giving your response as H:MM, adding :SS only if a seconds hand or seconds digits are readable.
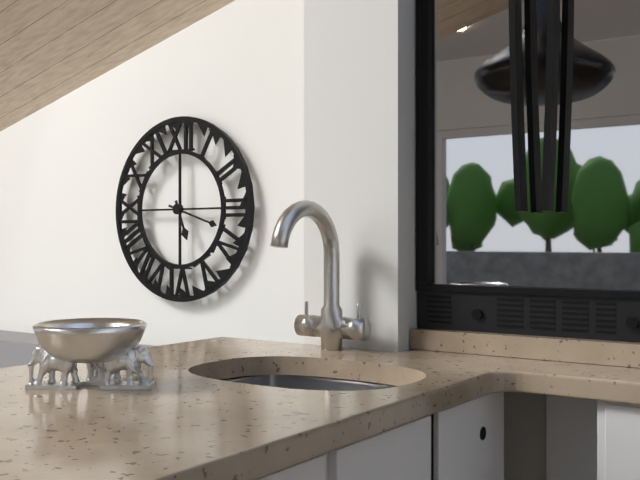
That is 5:18
